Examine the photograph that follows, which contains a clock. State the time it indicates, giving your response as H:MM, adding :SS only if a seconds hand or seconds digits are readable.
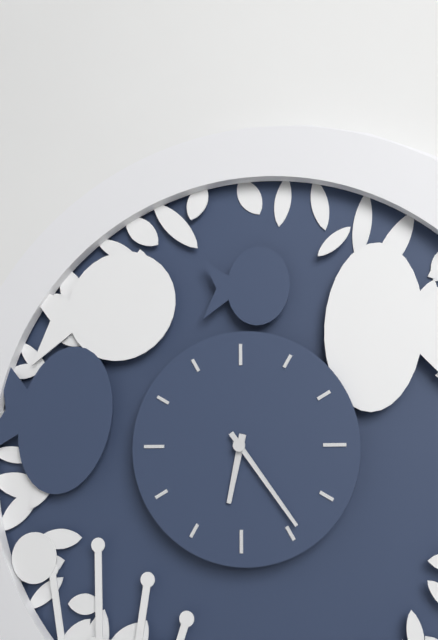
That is 6:24
